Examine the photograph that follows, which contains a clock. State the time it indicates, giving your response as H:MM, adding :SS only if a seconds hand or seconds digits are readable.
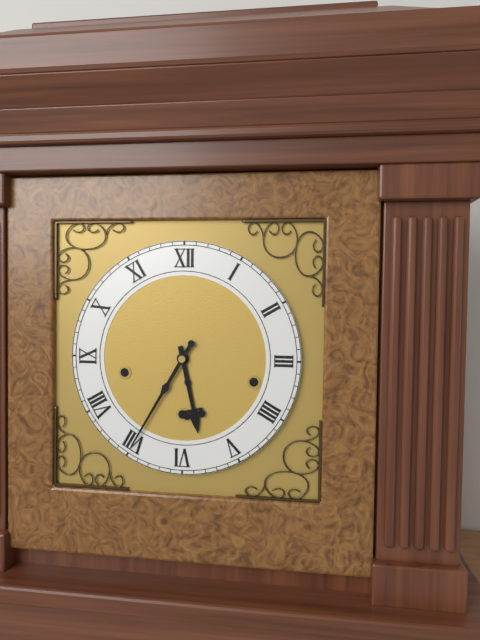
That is 5:35
